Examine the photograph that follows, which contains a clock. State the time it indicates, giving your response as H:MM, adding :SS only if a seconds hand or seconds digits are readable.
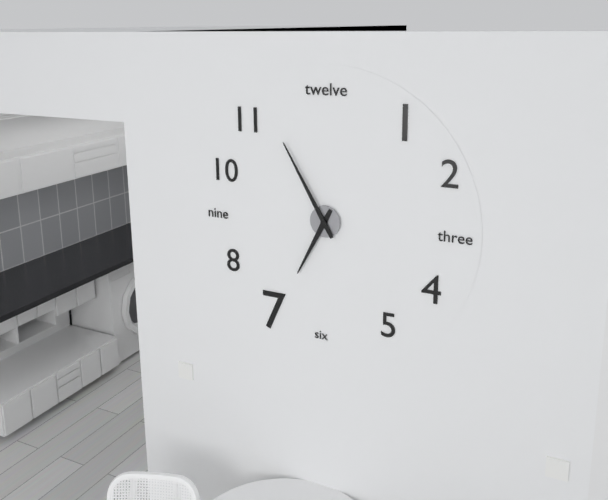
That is 6:55
